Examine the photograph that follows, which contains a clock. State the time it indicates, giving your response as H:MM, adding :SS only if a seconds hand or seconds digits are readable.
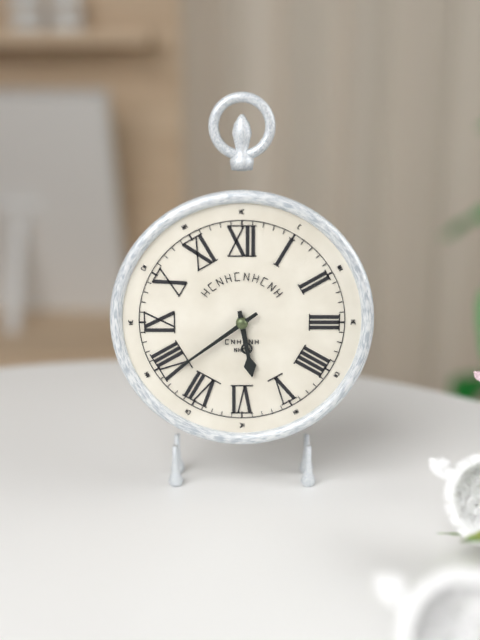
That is 5:39
